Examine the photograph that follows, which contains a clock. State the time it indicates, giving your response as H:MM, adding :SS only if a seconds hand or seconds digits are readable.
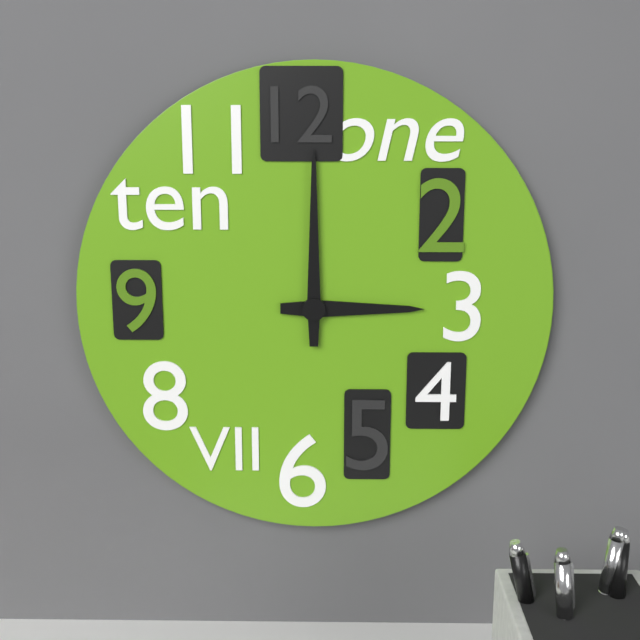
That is 3:00
